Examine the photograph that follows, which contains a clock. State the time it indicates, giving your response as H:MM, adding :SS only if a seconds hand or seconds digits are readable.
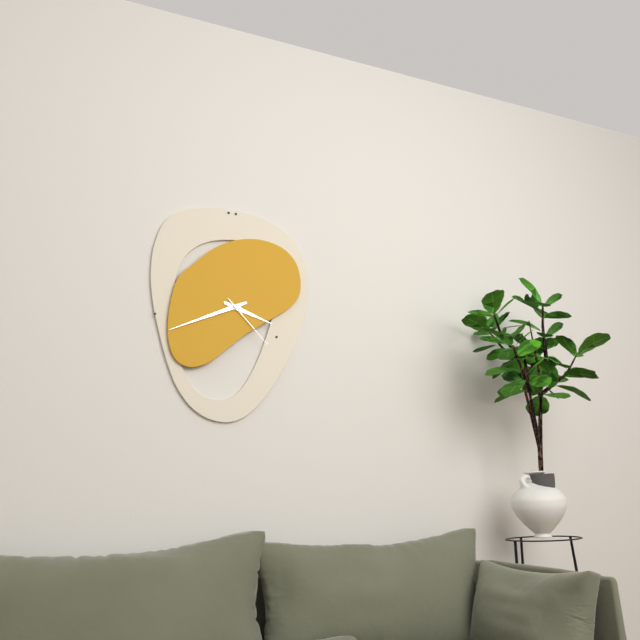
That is 3:41:23
